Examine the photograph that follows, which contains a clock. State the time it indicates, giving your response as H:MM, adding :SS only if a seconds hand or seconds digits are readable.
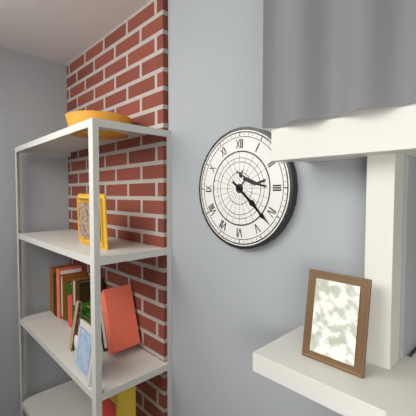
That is 4:22
